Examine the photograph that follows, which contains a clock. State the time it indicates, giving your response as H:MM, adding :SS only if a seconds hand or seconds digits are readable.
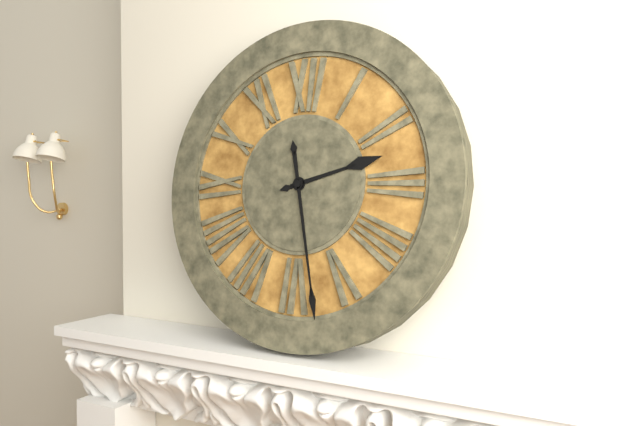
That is 2:28
